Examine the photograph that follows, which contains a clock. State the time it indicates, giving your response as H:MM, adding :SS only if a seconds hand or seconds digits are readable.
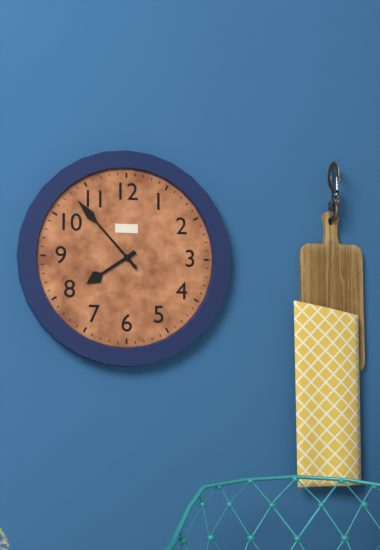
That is 7:53
